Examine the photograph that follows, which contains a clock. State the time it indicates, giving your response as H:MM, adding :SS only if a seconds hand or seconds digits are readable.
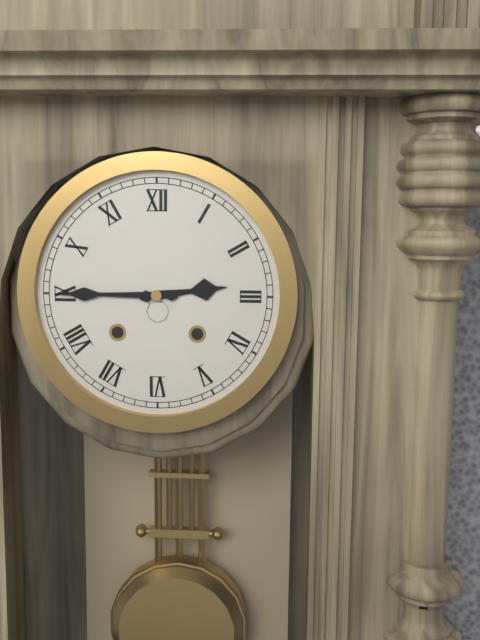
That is 2:45
